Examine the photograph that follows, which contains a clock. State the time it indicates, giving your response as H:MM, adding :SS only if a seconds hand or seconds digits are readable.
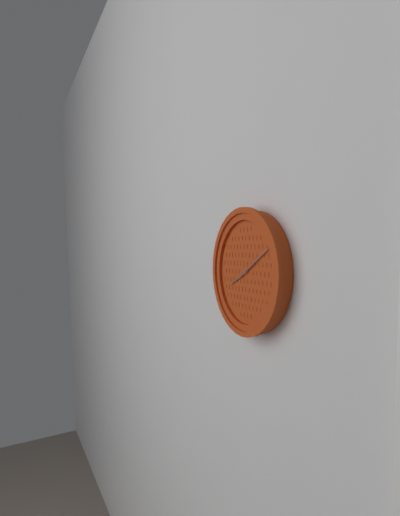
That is 8:10
